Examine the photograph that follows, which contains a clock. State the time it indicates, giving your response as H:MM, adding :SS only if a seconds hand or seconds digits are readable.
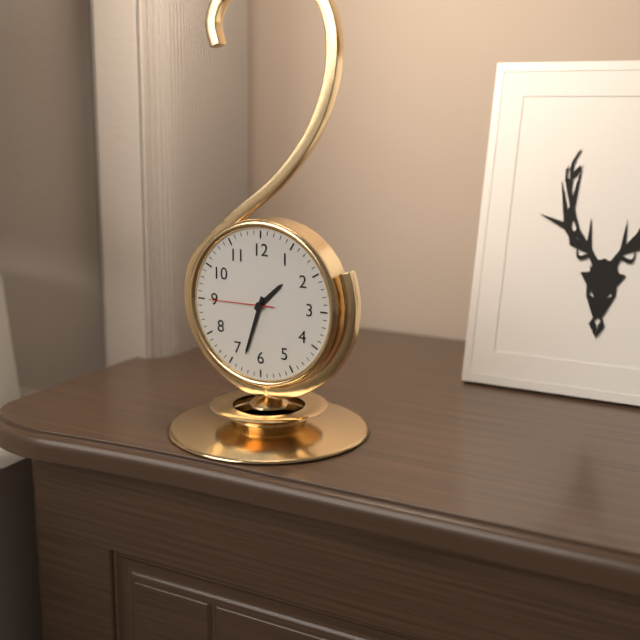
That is 1:33:45
